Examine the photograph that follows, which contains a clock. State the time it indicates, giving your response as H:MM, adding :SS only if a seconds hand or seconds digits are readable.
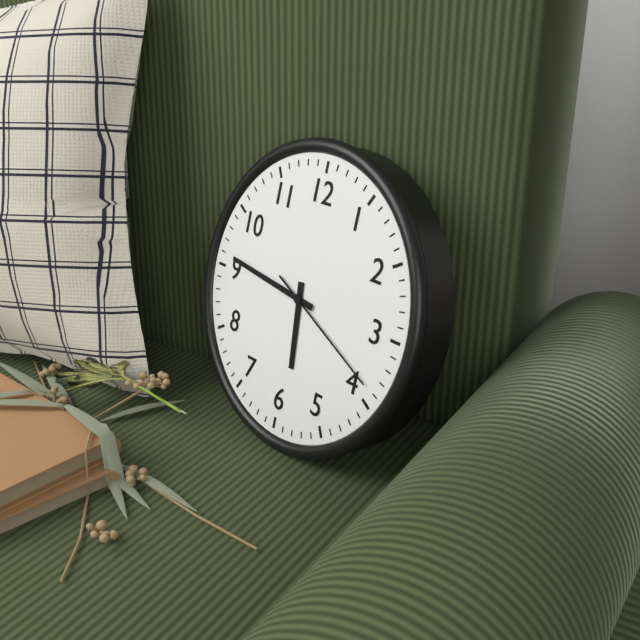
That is 5:46:19
